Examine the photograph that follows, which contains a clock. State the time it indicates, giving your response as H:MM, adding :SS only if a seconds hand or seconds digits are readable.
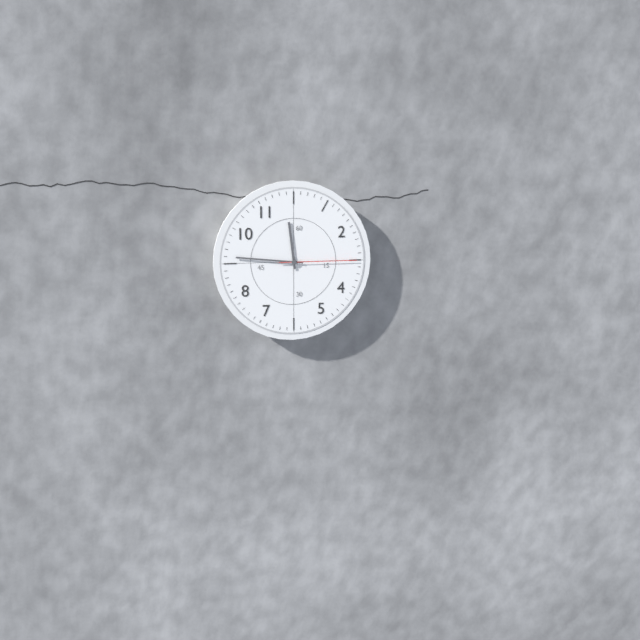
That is 11:46:15
